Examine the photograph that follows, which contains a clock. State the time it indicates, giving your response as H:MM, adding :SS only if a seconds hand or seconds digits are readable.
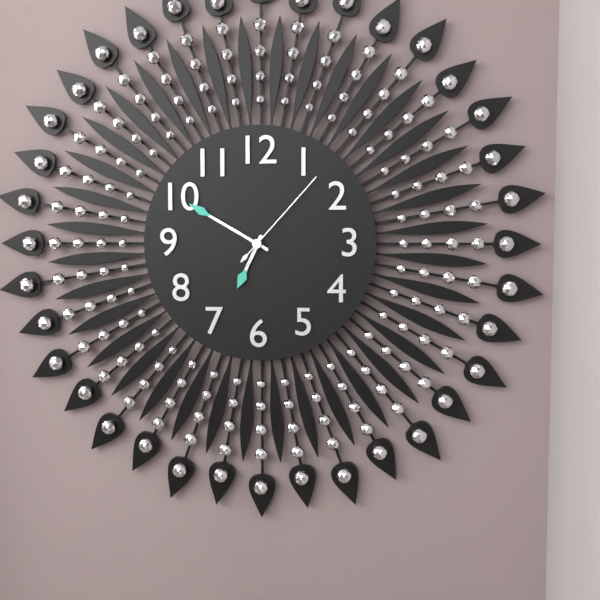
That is 6:50:07
